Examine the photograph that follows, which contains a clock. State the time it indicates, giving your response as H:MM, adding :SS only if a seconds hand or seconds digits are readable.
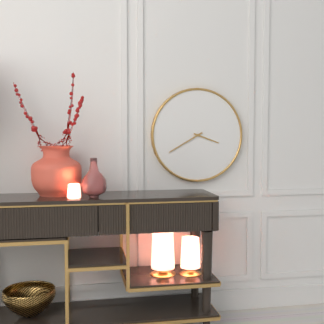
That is 3:40
